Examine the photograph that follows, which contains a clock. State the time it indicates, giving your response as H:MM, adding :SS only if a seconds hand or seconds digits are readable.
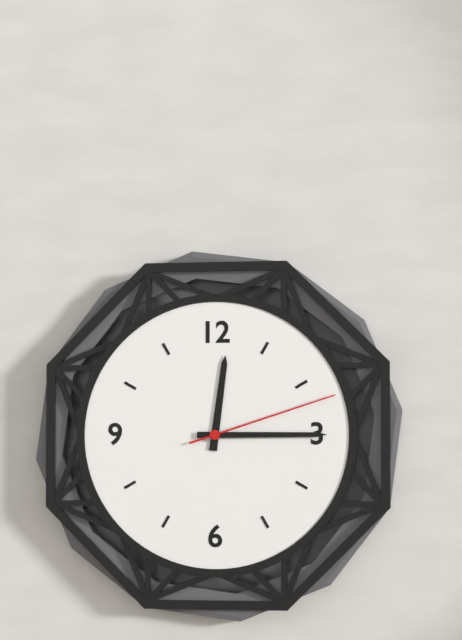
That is 12:15:12
